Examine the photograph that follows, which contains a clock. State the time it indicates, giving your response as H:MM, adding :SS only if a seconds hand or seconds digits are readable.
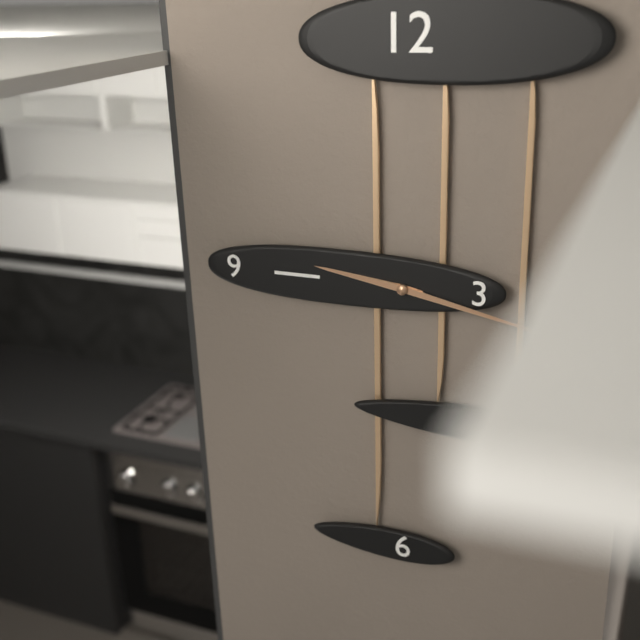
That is 9:17
